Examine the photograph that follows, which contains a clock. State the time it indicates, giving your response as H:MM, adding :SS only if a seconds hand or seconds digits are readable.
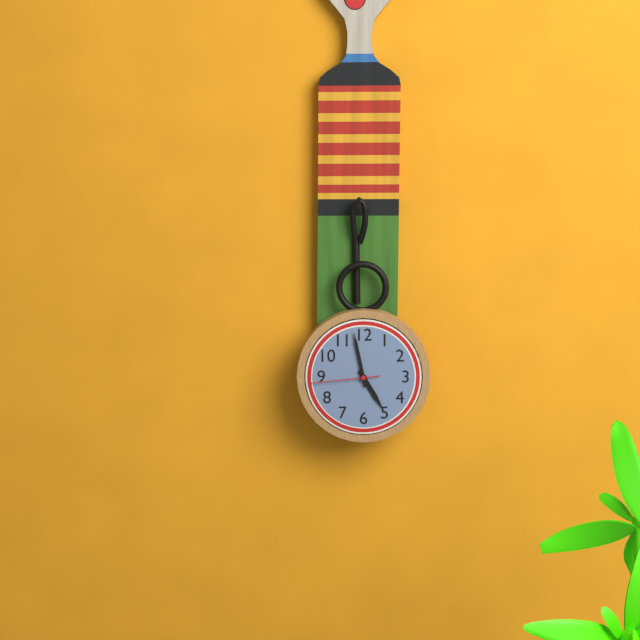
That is 4:58:44
